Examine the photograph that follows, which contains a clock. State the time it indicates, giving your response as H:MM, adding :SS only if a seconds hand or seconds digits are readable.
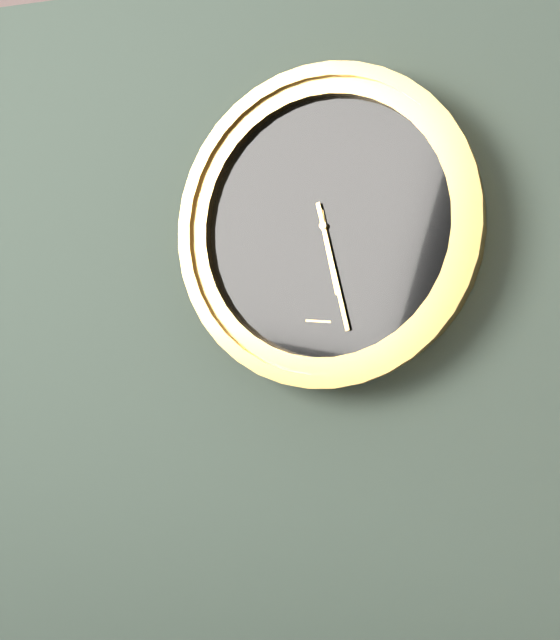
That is 5:27
